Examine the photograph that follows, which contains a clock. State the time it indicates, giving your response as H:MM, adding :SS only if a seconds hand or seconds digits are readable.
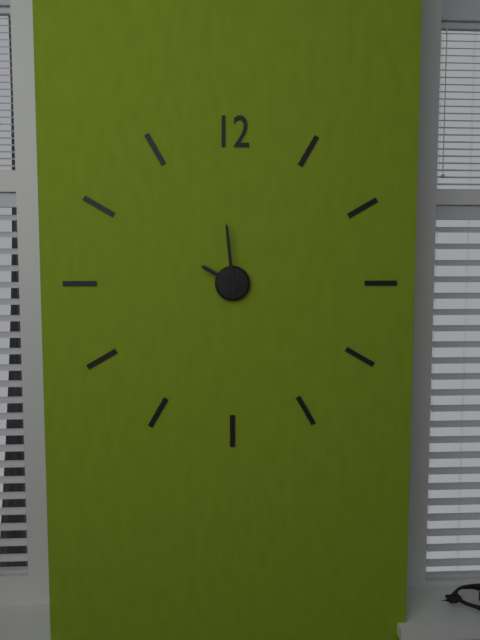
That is 9:59
